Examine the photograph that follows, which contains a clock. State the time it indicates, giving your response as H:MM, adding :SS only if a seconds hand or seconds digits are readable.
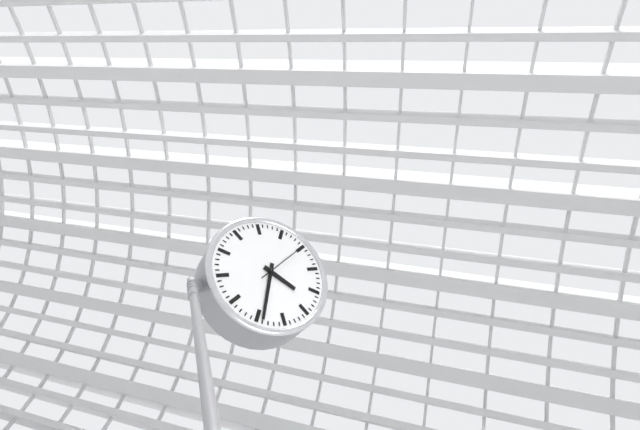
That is 3:29
